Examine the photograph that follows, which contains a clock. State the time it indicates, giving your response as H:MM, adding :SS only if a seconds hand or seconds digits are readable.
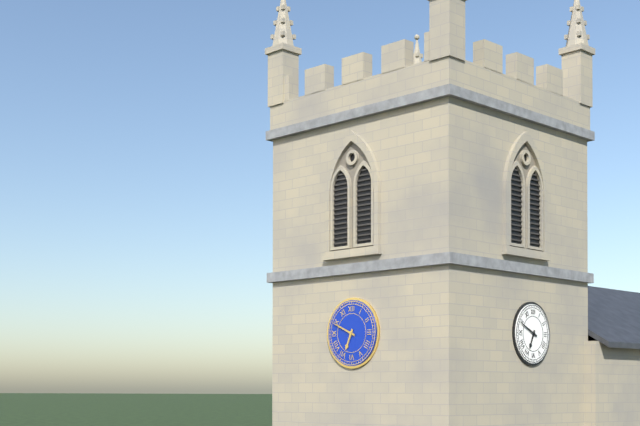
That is 6:49
